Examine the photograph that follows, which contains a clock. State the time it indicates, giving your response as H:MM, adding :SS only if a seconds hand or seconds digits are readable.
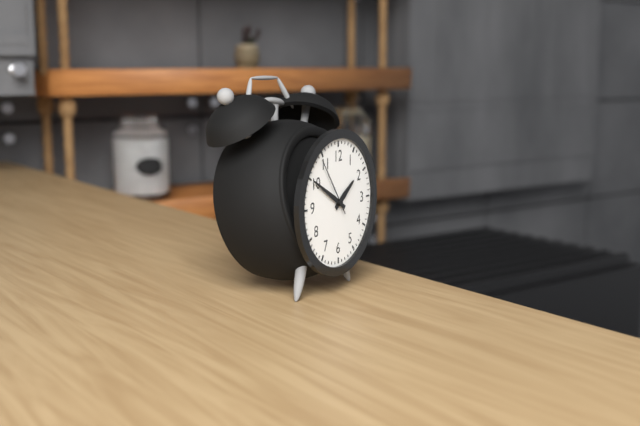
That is 1:50:54
